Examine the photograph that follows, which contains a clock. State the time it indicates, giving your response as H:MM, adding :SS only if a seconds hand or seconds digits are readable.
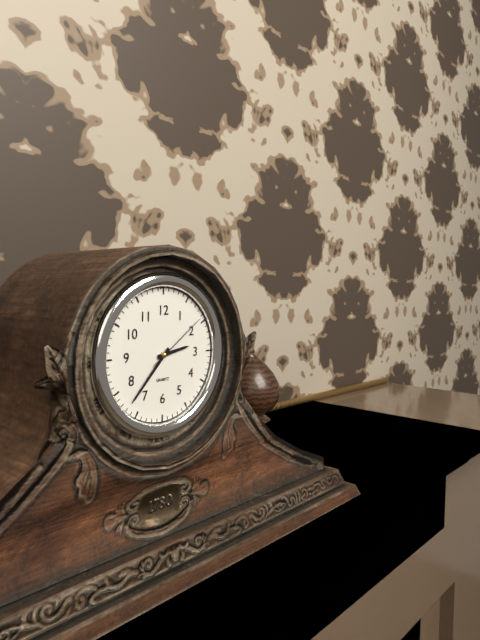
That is 2:37:09
